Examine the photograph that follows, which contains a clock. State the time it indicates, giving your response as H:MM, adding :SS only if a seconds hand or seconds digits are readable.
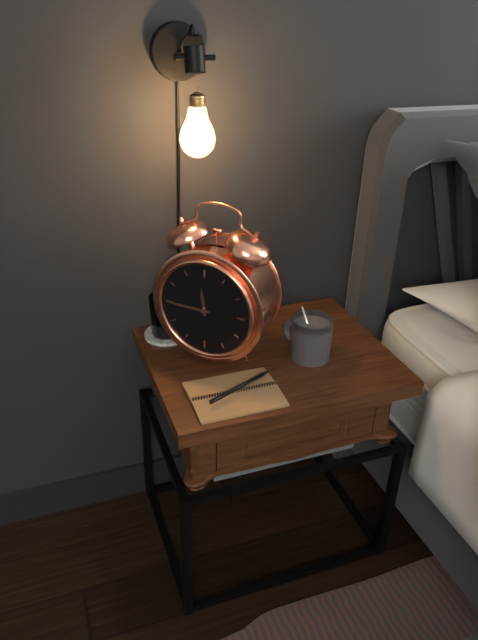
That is 11:45
